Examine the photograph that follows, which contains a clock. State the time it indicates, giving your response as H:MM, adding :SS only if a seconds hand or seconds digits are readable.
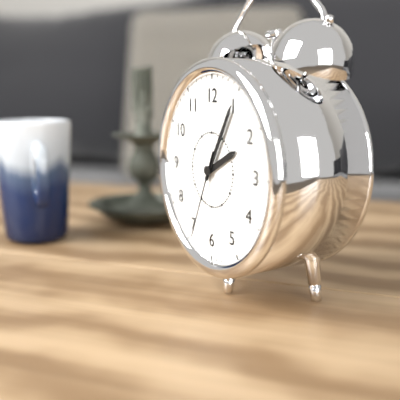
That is 2:05:34
